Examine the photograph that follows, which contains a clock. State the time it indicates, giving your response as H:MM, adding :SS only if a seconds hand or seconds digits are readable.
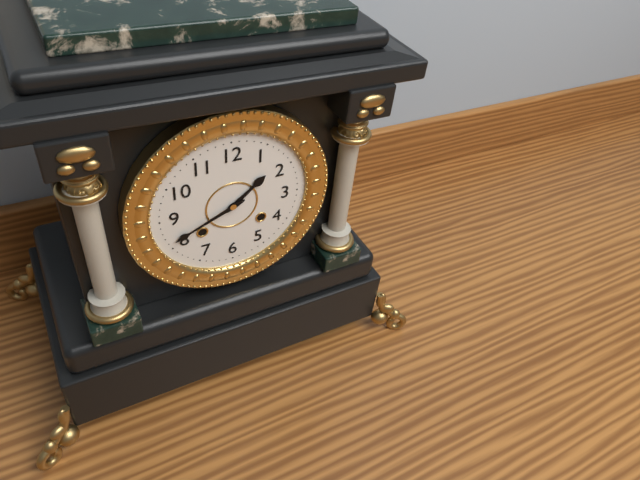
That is 1:41
